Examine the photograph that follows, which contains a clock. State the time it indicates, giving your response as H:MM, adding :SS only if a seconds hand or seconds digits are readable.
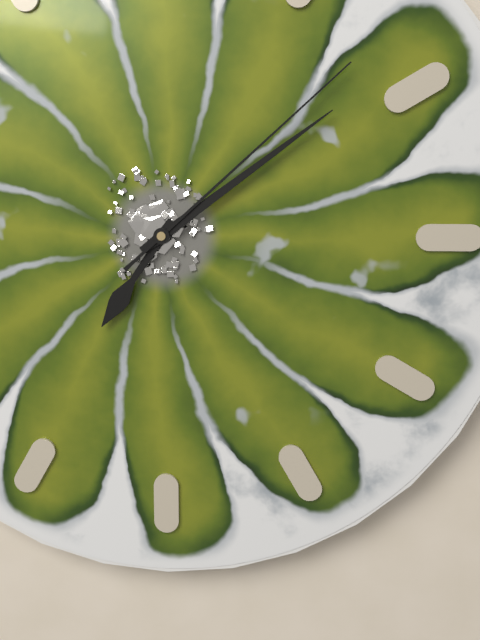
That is 7:09:08
